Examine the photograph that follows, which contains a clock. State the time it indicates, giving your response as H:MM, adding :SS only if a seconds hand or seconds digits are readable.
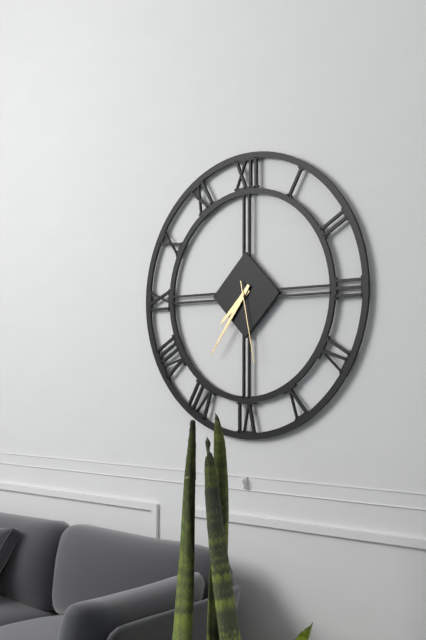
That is 7:36:28
